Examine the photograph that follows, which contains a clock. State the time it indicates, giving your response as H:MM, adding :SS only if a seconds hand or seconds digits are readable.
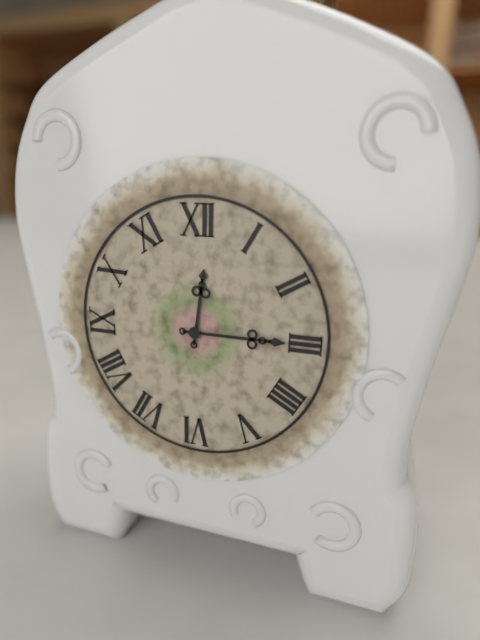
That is 12:15
